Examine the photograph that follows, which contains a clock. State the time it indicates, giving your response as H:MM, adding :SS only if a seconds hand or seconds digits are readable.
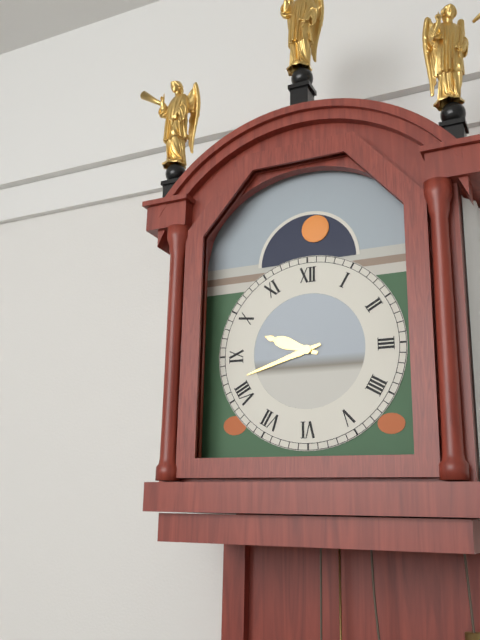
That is 9:42
